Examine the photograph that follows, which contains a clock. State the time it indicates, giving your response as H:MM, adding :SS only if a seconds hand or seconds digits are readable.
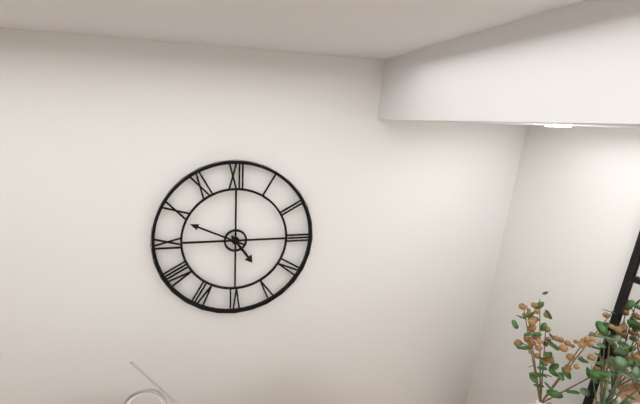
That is 4:49
